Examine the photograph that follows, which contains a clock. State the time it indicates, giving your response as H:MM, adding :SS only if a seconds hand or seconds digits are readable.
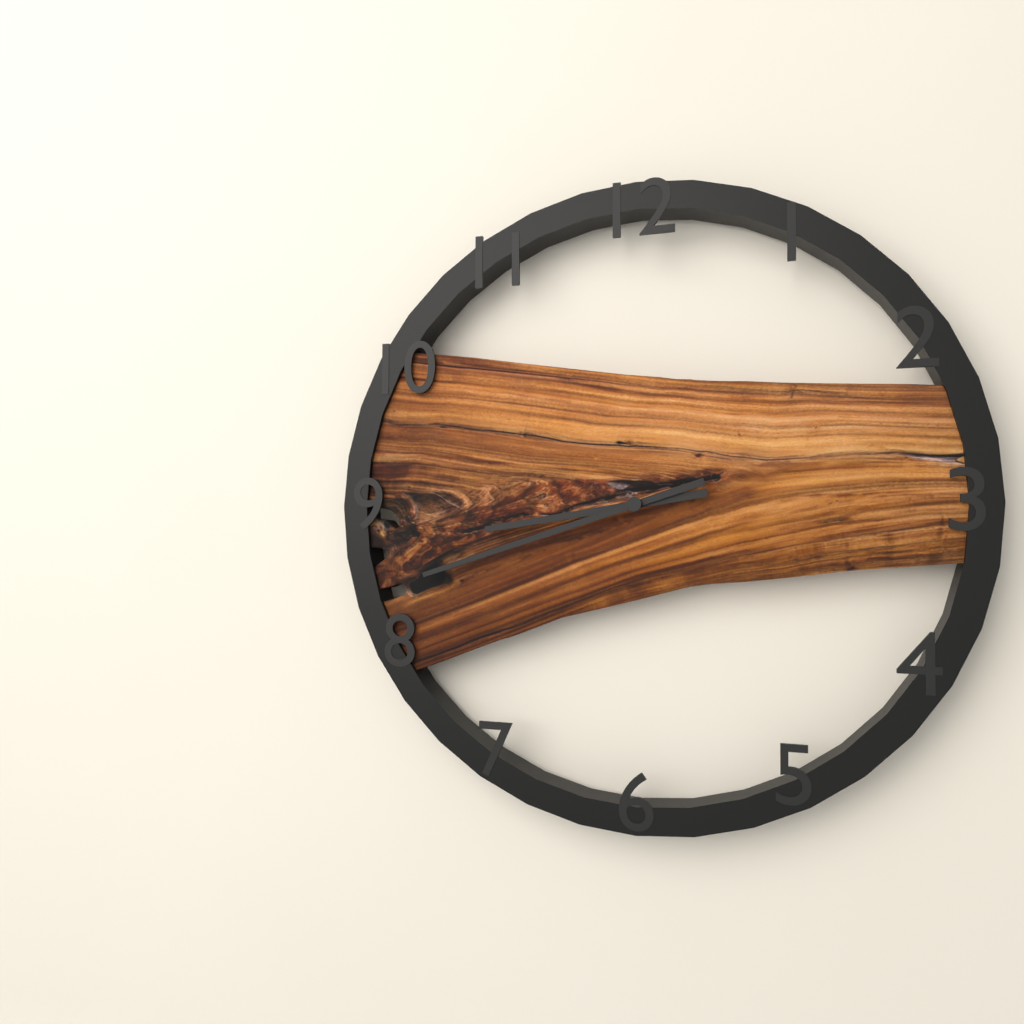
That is 8:42
